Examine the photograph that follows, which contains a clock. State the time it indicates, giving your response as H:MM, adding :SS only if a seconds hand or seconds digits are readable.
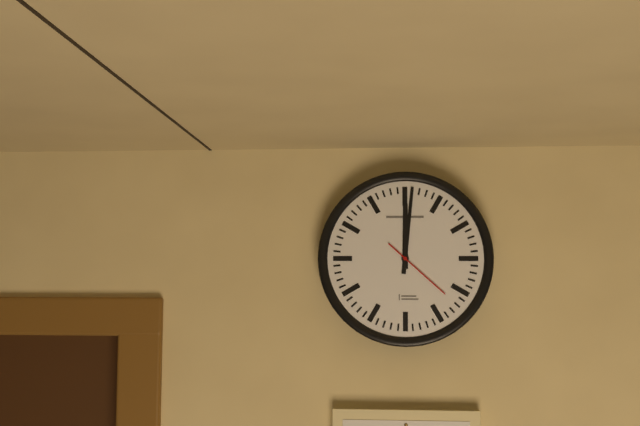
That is 12:01:22
